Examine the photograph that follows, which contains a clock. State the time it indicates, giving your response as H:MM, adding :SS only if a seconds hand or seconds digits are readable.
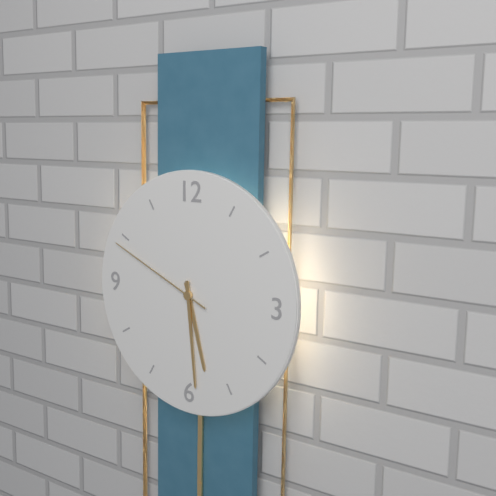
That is 5:29:49
